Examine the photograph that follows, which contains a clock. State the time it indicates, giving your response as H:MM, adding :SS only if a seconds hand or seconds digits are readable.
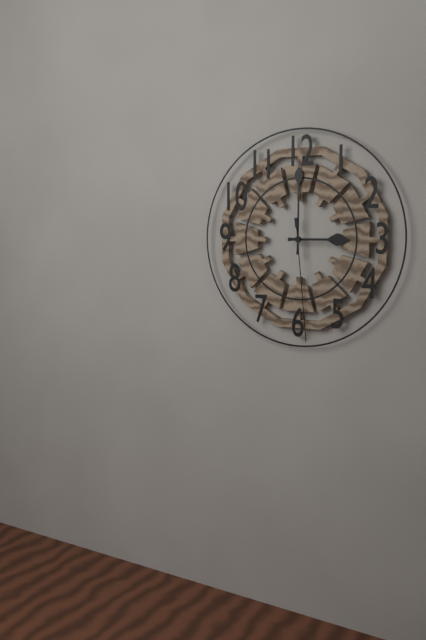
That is 3:00:29
